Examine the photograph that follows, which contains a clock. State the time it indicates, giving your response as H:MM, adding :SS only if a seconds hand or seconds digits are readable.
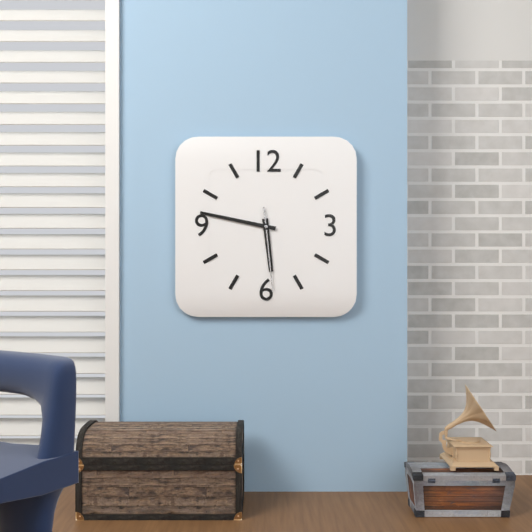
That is 5:47:29
